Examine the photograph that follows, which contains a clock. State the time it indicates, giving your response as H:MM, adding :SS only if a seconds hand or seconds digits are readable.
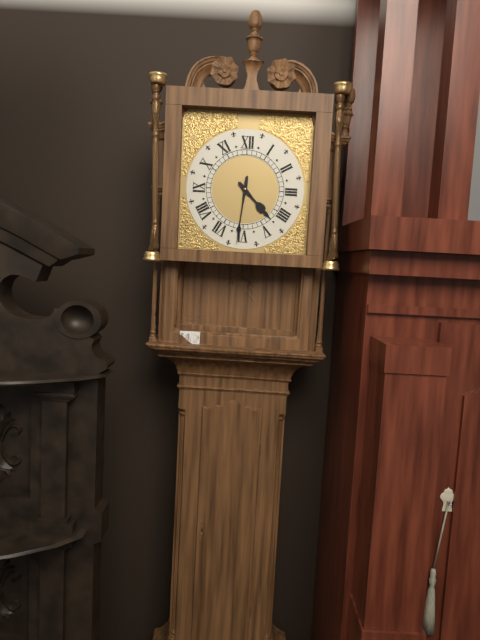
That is 4:31
